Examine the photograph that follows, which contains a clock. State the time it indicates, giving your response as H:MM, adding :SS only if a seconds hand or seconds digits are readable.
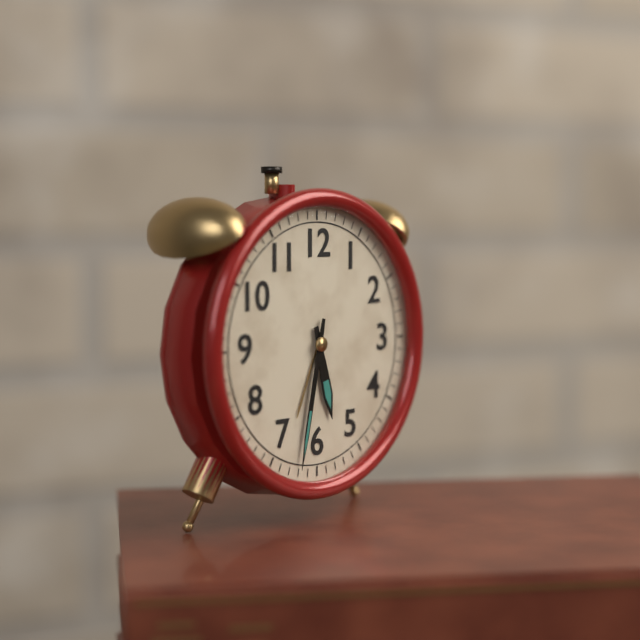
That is 5:32
